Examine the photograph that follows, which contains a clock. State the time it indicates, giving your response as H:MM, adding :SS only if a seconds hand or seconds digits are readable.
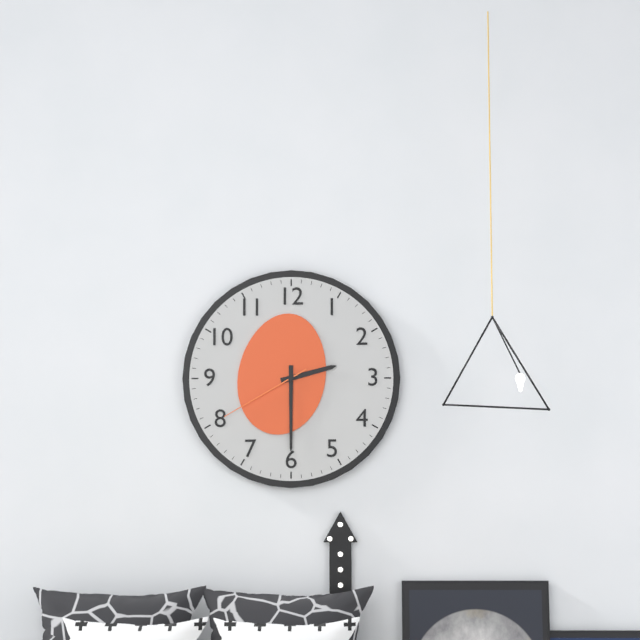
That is 2:30:40
